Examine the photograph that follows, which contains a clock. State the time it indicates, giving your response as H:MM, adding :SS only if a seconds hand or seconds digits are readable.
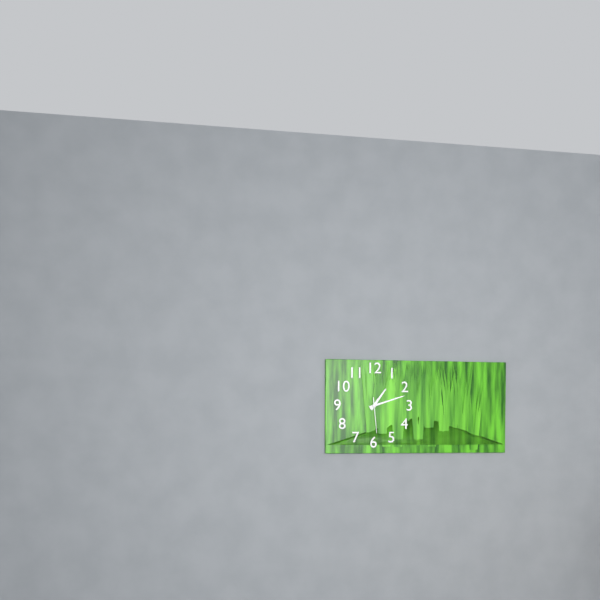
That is 1:12
